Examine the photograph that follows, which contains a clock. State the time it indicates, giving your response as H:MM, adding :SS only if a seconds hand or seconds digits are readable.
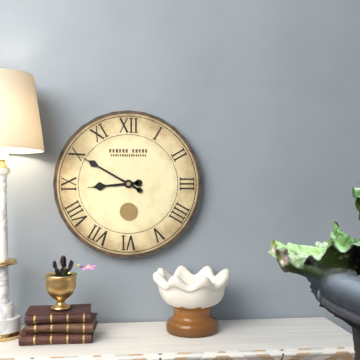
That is 8:50
